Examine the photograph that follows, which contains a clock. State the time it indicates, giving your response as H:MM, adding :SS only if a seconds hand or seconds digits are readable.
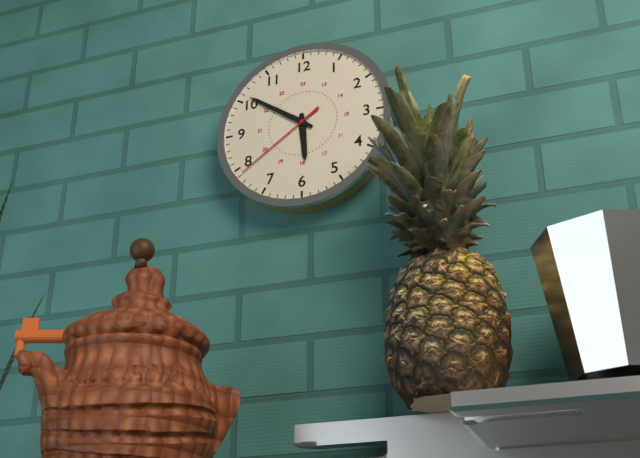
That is 5:51:39
